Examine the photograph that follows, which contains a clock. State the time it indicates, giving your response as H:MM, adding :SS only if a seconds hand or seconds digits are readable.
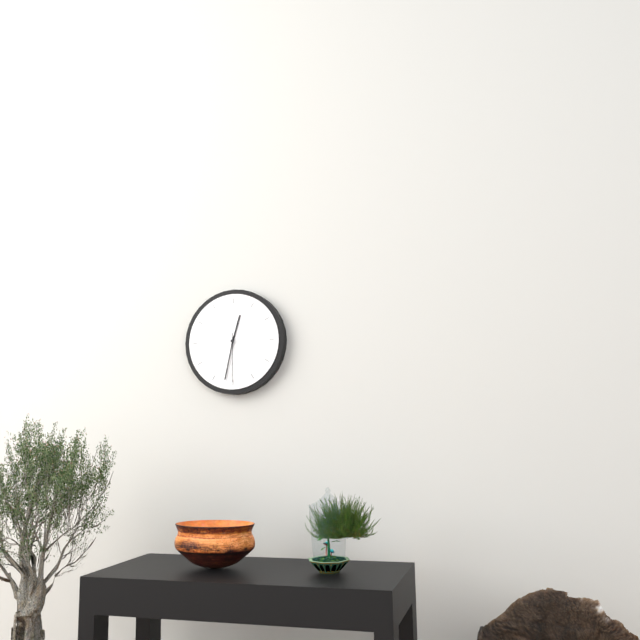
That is 12:32:30
